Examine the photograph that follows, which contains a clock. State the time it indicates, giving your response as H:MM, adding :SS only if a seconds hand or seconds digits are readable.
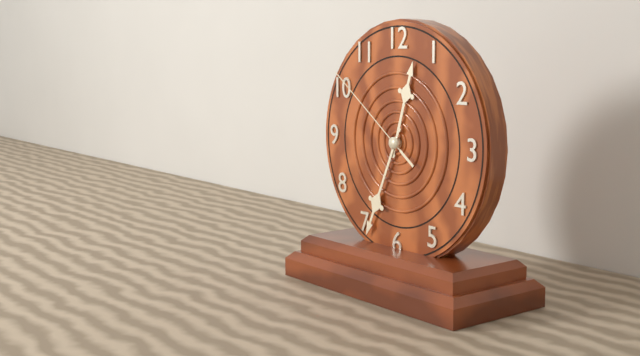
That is 12:34:51
